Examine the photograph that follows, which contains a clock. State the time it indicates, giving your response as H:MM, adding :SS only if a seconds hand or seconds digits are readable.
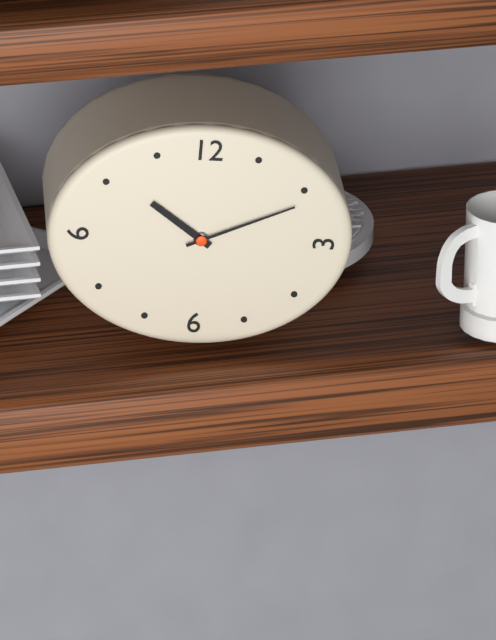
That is 10:11
